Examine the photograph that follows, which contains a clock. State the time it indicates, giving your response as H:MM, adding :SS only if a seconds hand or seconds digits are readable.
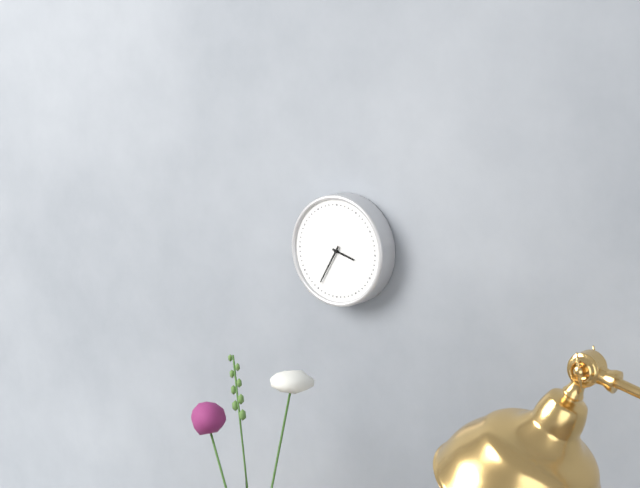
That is 3:35
